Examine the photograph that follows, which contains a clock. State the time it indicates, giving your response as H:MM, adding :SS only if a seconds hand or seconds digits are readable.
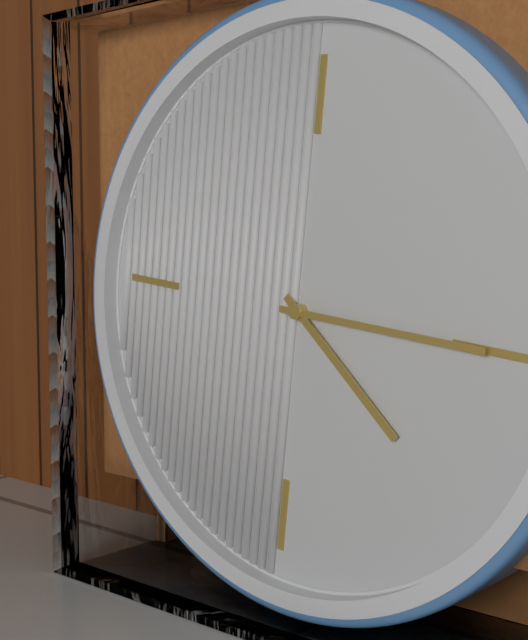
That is 4:15
